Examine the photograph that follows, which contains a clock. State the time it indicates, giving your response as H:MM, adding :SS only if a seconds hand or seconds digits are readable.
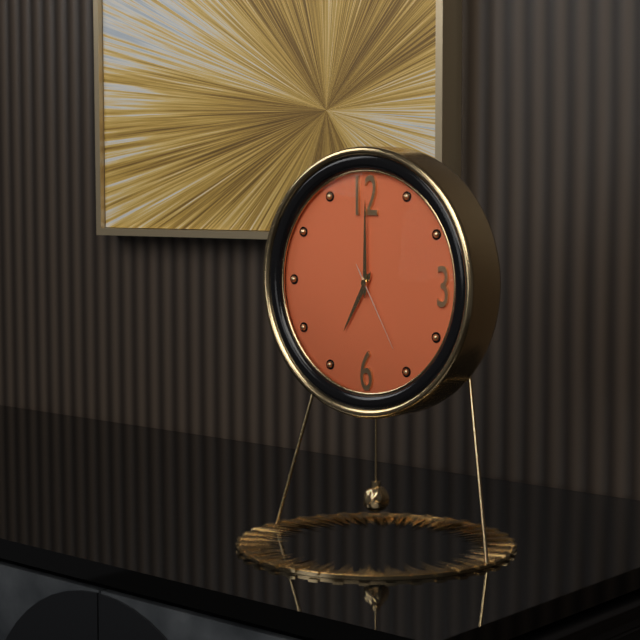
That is 7:00:25
